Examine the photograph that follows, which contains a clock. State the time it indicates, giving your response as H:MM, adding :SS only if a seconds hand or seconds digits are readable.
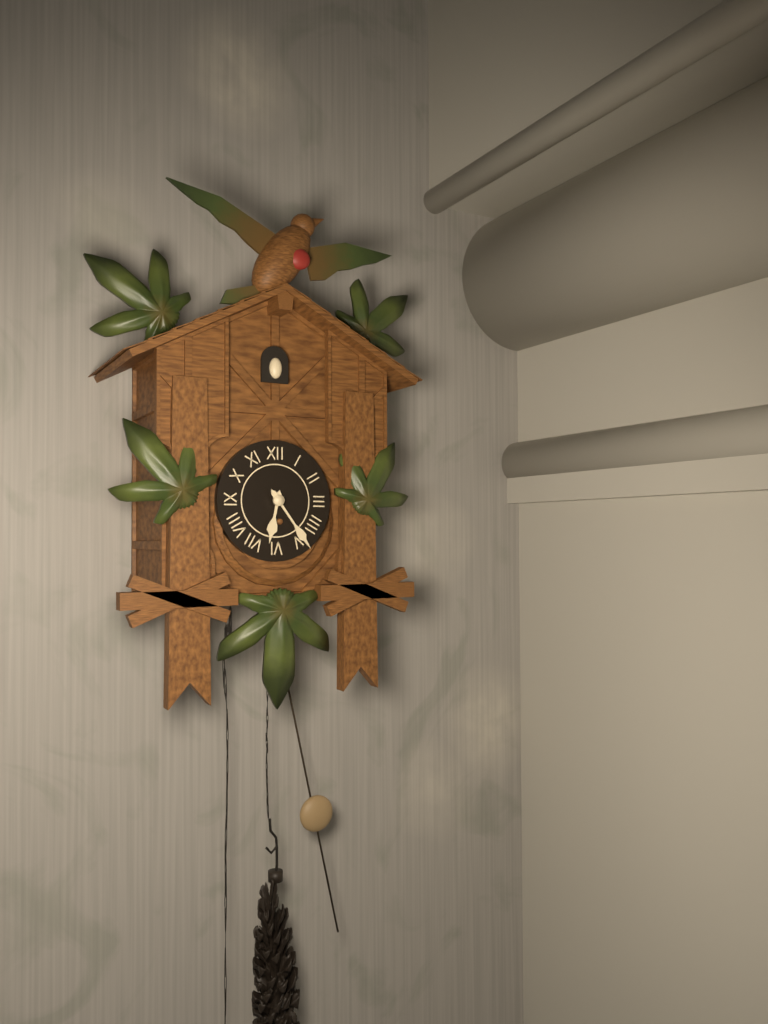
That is 6:24
